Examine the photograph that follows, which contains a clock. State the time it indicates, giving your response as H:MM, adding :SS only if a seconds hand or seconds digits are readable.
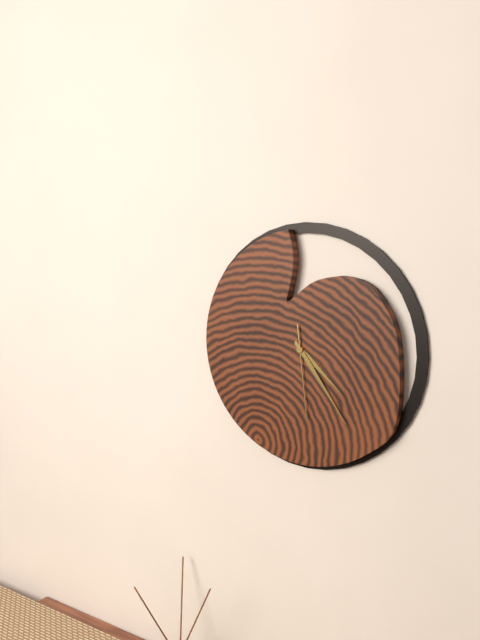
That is 4:24:29
